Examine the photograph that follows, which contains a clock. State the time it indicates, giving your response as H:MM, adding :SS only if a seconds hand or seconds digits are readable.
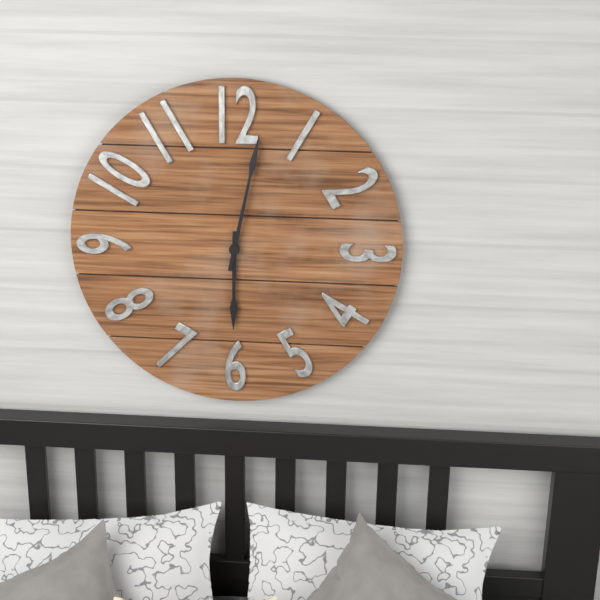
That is 6:02
